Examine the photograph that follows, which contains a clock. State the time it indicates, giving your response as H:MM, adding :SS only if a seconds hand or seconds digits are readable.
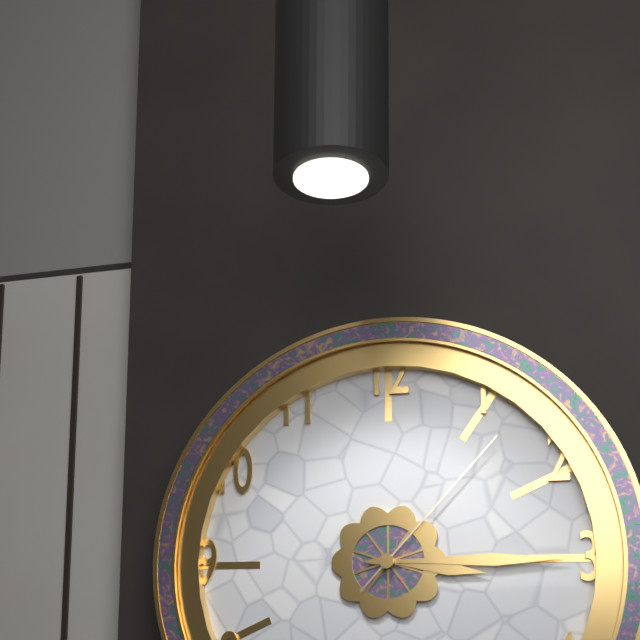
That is 3:15:07
